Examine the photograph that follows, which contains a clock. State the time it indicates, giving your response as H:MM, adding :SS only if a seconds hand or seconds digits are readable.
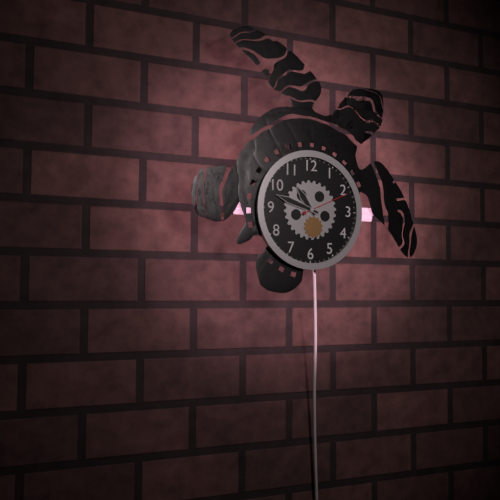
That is 10:48:11
